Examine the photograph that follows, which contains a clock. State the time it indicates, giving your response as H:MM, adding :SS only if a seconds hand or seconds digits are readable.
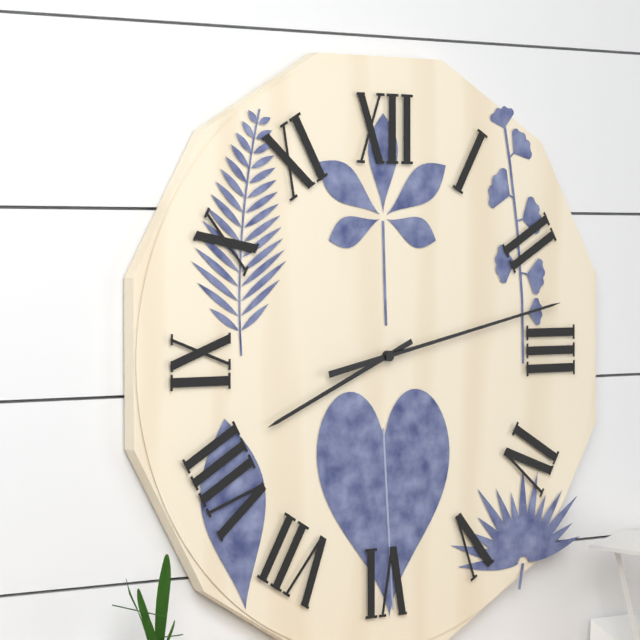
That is 8:13
